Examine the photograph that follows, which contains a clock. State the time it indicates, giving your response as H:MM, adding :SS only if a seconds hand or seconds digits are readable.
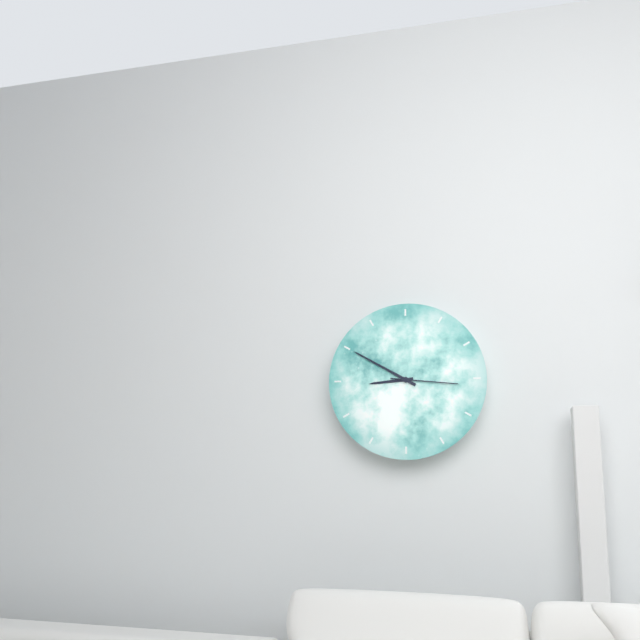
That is 8:50:16
